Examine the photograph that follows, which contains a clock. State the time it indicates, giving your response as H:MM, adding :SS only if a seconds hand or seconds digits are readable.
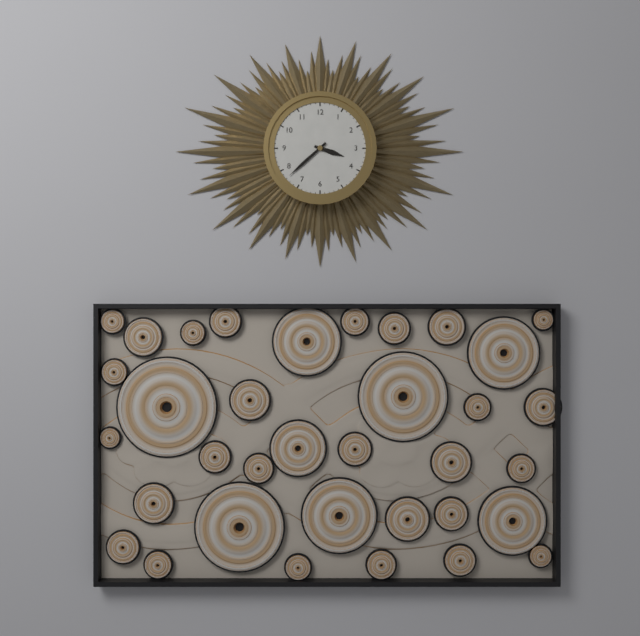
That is 3:38
